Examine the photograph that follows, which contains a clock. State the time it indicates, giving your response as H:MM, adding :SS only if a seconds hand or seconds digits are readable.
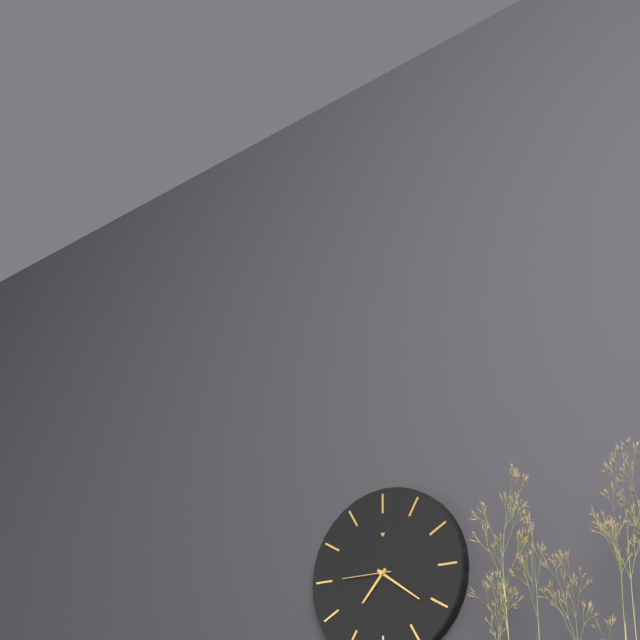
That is 7:21
